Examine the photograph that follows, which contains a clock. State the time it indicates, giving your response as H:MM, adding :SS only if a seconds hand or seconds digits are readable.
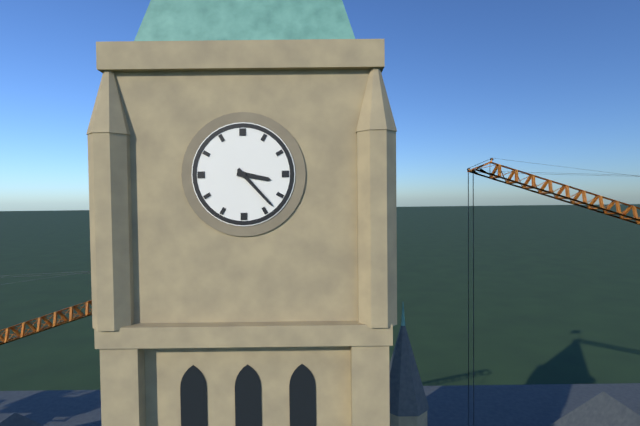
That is 3:23
